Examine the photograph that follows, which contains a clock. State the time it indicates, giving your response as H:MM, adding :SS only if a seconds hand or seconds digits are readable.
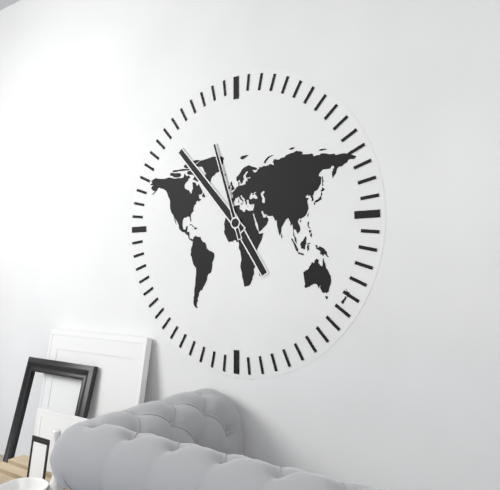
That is 4:53:57
